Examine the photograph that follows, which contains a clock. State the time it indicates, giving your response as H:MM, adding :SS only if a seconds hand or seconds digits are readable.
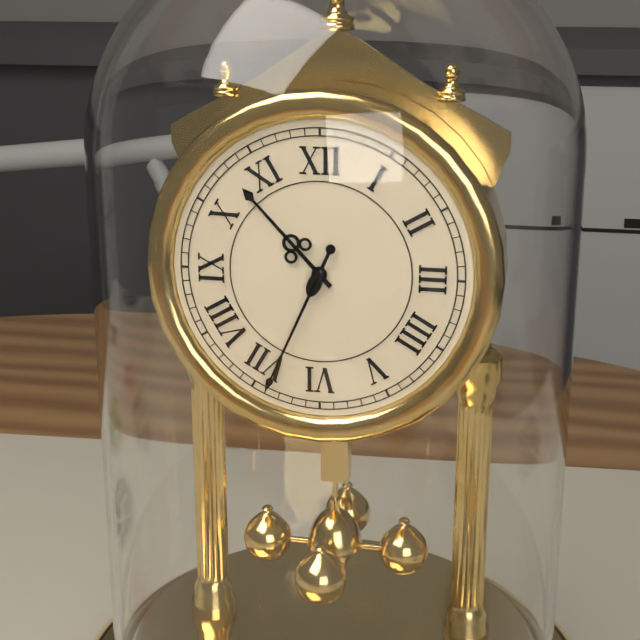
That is 10:34
